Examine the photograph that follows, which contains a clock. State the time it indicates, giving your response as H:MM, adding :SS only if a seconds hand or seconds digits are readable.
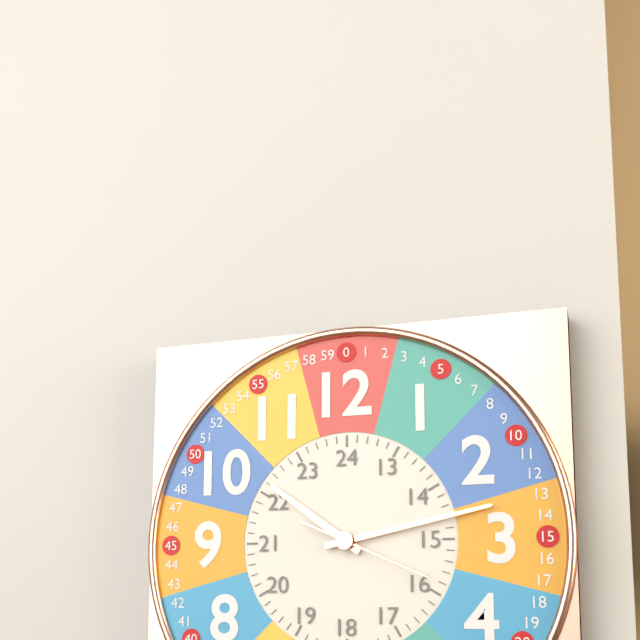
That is 10:13:19
